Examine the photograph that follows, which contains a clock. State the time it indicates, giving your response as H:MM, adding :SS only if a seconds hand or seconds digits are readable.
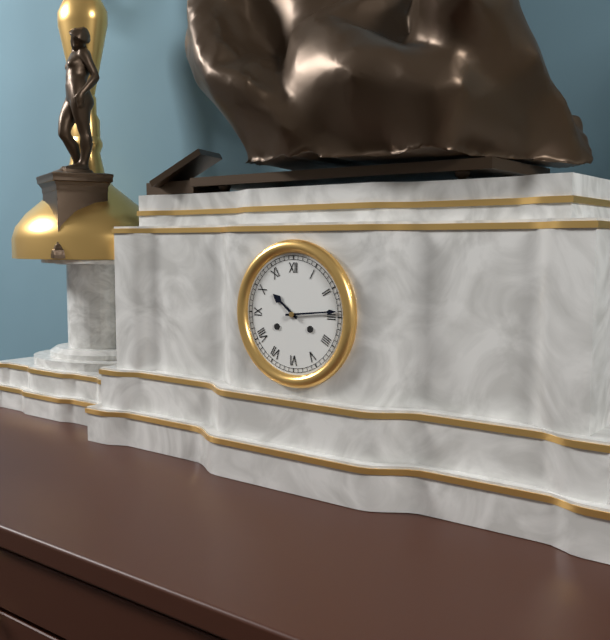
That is 10:14
